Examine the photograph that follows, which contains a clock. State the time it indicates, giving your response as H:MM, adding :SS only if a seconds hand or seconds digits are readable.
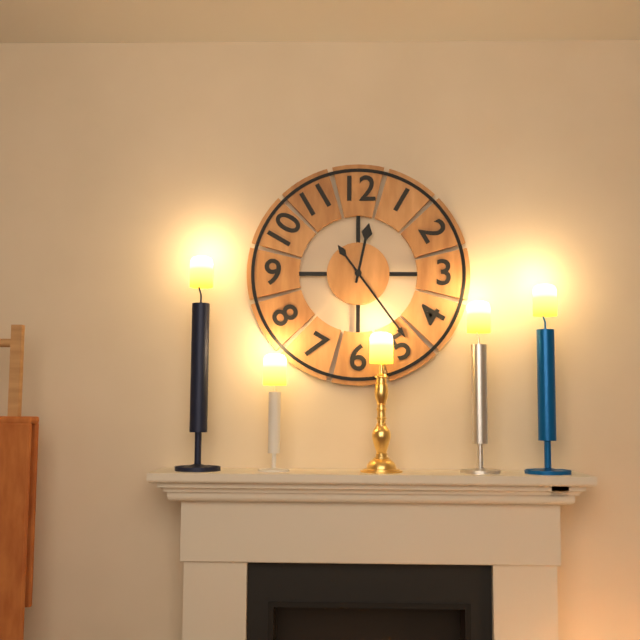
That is 12:24
